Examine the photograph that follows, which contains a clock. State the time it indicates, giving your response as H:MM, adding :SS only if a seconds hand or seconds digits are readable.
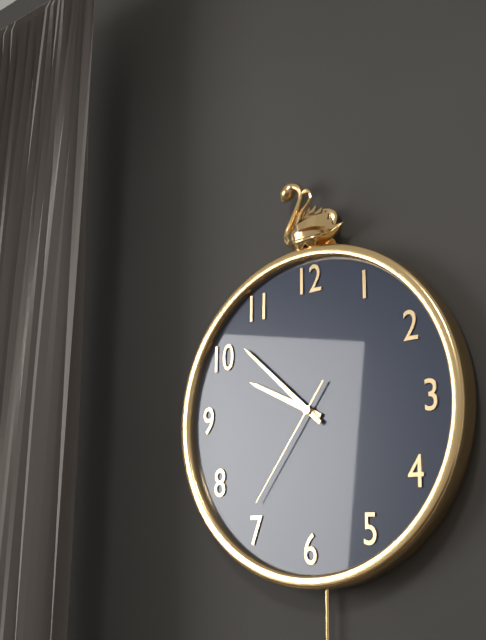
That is 9:52:36
